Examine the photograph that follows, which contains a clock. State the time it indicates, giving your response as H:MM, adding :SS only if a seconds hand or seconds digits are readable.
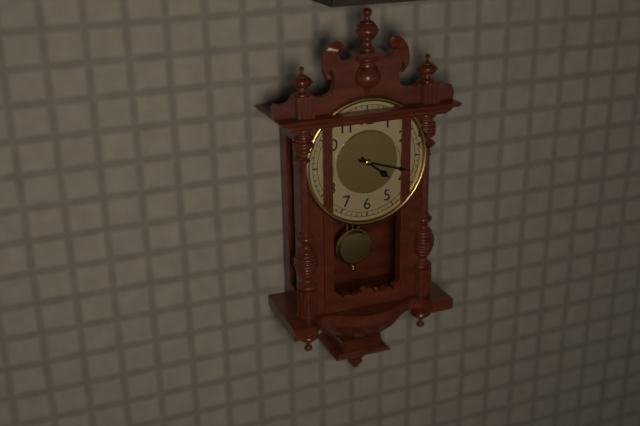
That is 4:18
